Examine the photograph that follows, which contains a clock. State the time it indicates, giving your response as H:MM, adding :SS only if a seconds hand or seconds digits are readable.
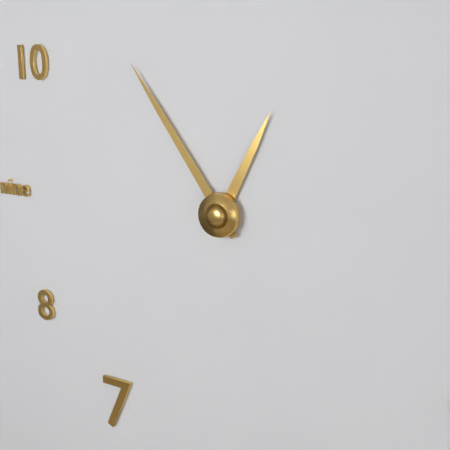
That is 12:54
